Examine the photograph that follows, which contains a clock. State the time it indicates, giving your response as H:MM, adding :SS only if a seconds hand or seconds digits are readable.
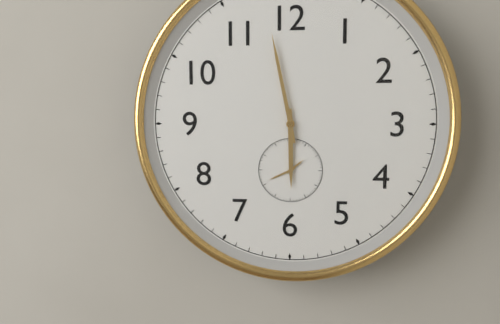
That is 5:58
